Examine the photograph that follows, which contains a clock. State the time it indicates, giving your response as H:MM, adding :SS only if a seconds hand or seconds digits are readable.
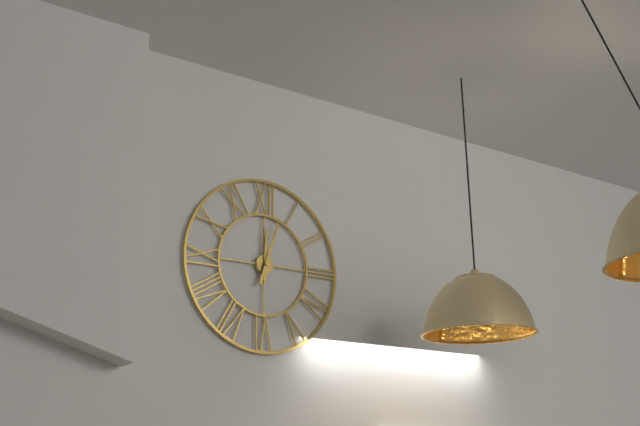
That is 12:03
